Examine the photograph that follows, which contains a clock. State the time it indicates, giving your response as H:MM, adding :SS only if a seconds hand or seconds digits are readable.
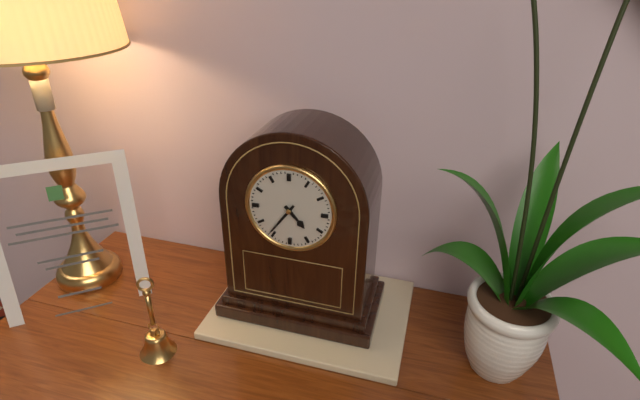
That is 4:36
